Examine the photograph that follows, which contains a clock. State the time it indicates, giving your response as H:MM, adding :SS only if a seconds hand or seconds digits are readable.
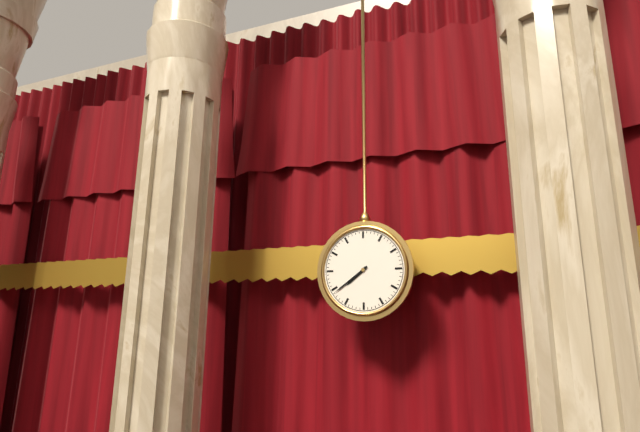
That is 7:39
